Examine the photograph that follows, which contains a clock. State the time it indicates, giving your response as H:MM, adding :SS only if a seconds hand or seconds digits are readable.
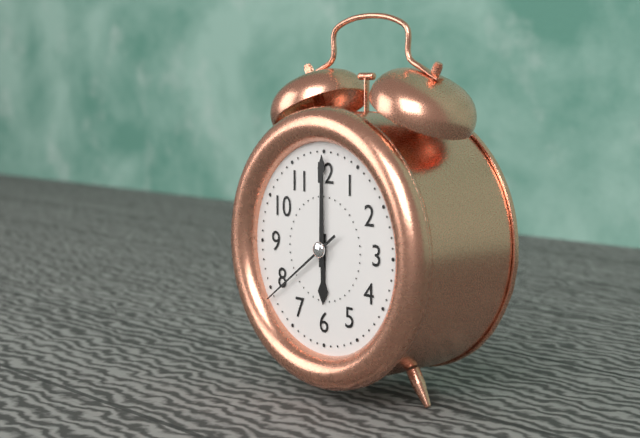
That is 6:00:39
